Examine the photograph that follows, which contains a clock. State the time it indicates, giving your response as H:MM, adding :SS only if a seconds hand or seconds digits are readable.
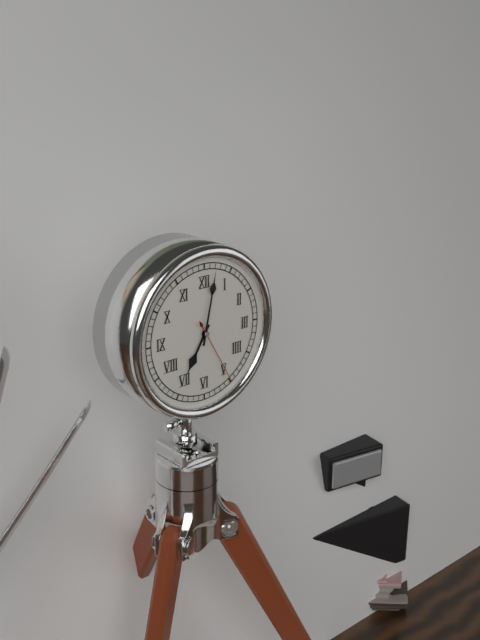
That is 7:02:25
